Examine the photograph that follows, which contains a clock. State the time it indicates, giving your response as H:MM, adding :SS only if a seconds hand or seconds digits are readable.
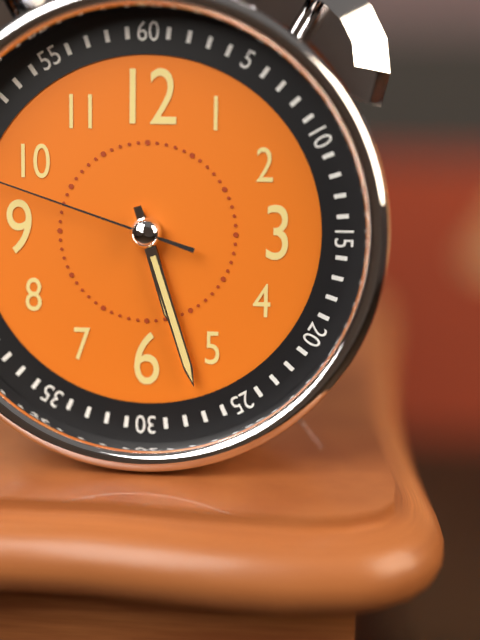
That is 5:27
